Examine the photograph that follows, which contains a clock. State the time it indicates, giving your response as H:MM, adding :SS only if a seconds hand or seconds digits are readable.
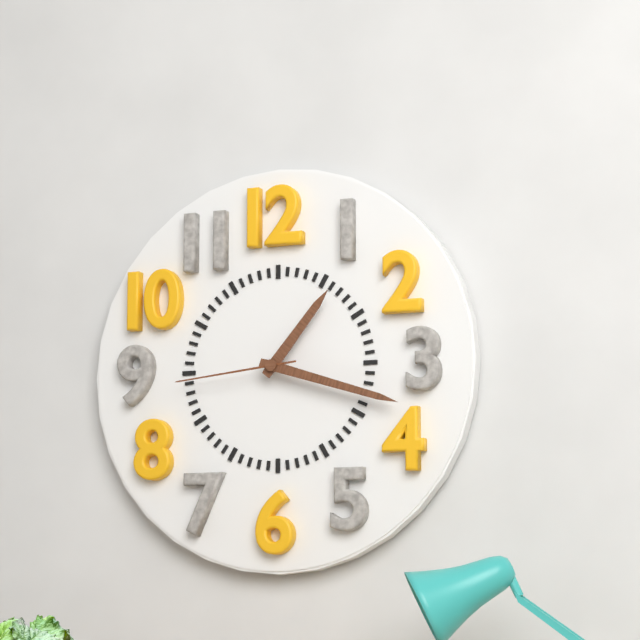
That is 1:18:44
